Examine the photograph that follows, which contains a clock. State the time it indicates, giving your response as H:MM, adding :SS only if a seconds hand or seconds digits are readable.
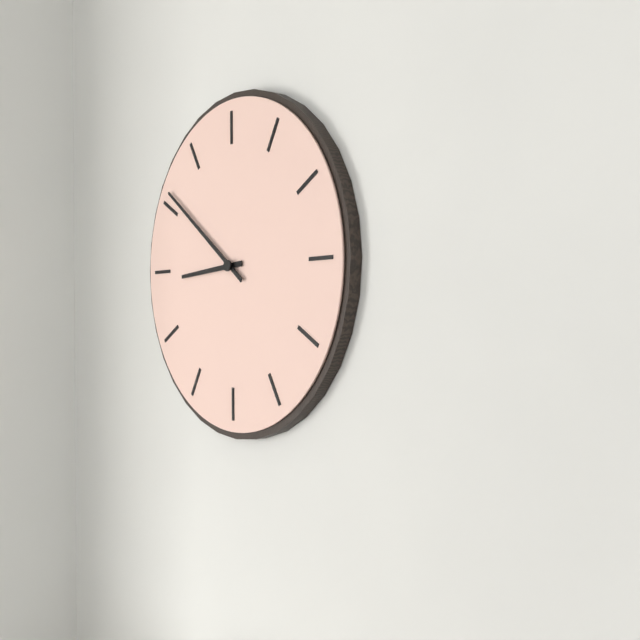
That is 8:51
